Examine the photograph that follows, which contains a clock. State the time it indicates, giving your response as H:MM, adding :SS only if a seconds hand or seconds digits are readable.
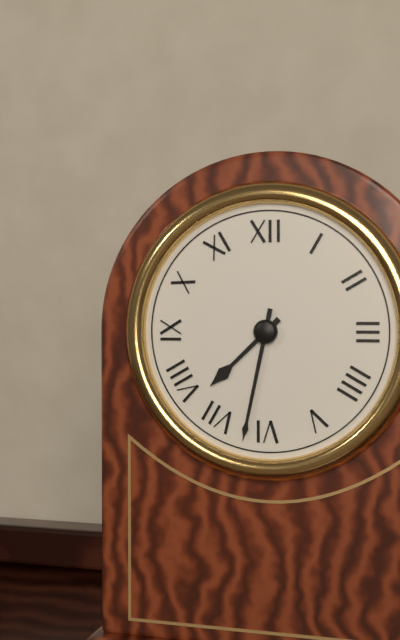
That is 7:32
